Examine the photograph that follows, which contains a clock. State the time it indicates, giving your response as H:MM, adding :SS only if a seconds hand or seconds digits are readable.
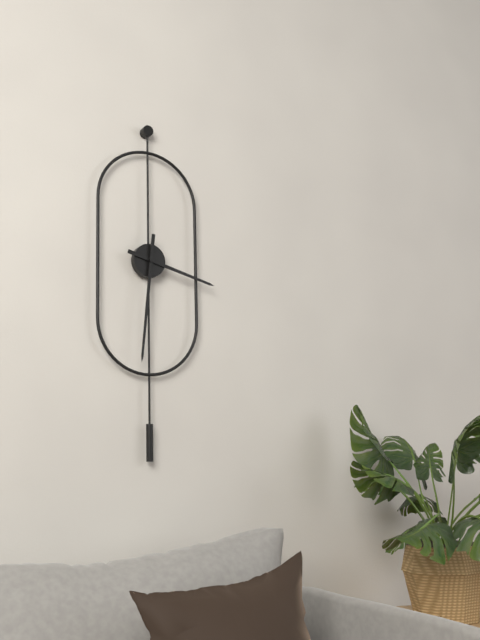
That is 3:31
